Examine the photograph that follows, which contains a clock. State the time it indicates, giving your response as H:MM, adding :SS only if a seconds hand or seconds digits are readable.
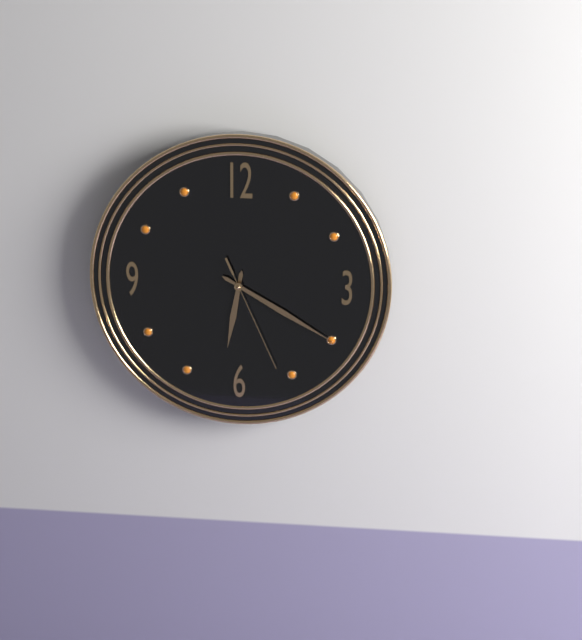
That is 6:20:26
